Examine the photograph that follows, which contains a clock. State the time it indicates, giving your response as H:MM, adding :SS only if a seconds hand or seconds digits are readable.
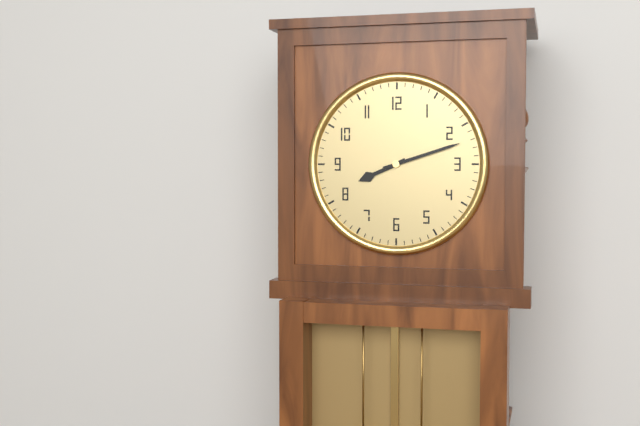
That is 8:12
